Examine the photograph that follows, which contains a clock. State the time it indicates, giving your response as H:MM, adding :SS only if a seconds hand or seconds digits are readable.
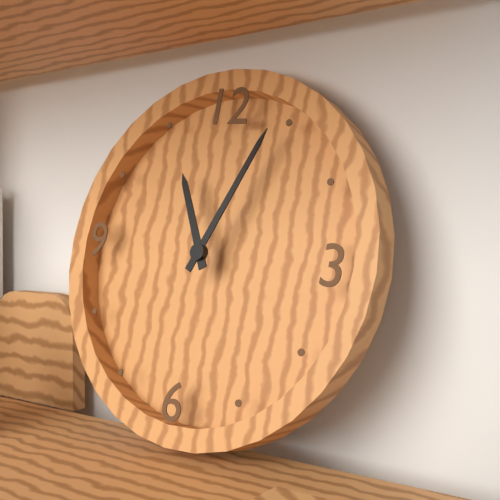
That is 11:04
